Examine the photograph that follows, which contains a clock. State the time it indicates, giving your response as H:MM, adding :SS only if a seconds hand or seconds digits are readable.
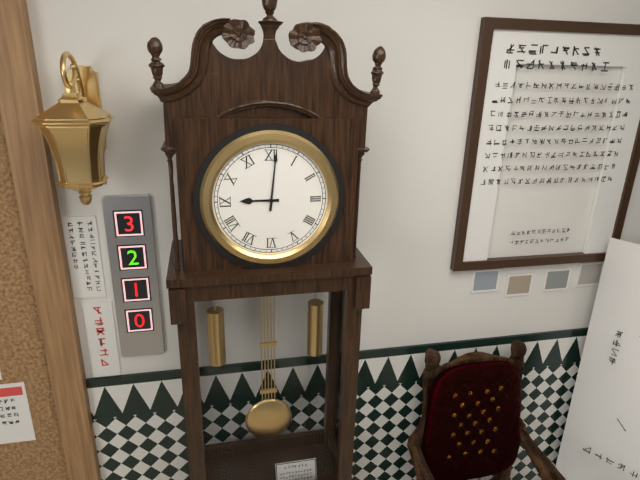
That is 9:01
